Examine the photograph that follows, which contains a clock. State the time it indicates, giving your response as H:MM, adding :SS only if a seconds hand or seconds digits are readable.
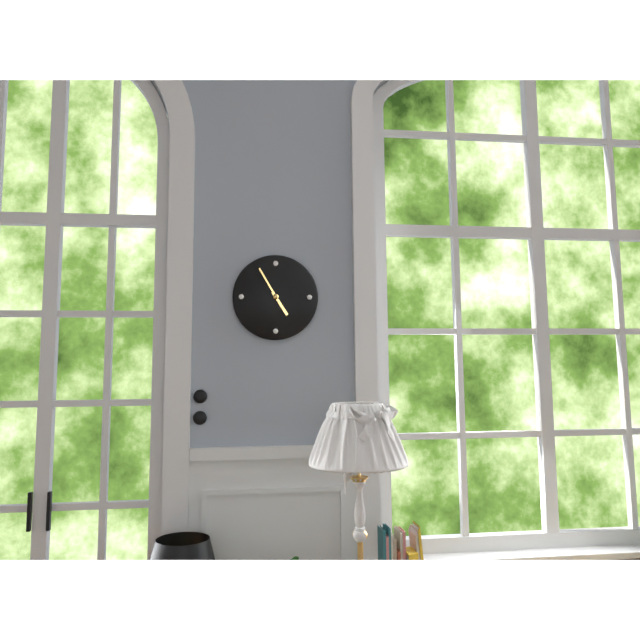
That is 4:55
